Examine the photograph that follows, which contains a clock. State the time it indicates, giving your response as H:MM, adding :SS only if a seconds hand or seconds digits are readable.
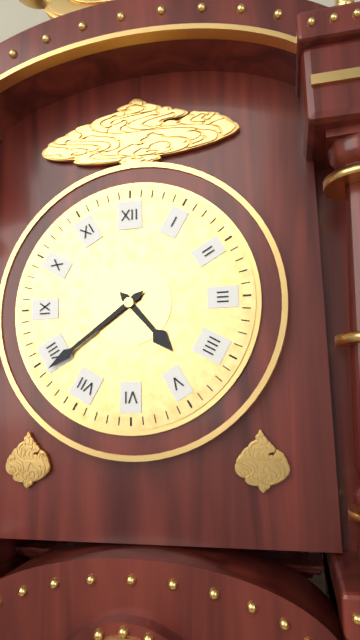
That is 4:39
